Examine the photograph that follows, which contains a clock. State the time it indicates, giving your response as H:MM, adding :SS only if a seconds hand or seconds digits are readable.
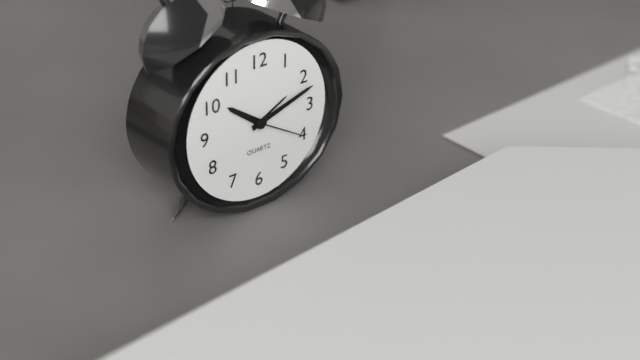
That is 10:12:20
